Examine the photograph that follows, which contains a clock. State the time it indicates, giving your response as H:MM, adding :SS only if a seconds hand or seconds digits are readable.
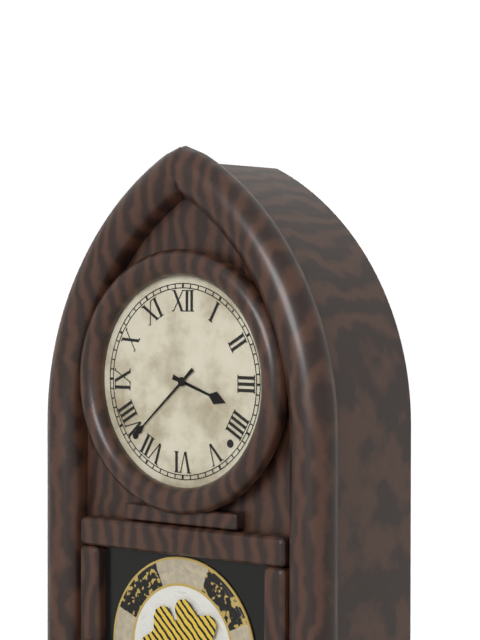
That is 3:38
